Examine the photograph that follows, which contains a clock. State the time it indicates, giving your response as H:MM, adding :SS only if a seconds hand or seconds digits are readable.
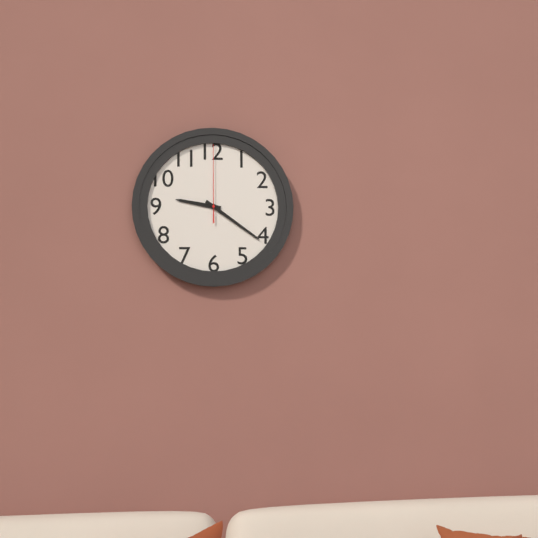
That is 9:21:00
